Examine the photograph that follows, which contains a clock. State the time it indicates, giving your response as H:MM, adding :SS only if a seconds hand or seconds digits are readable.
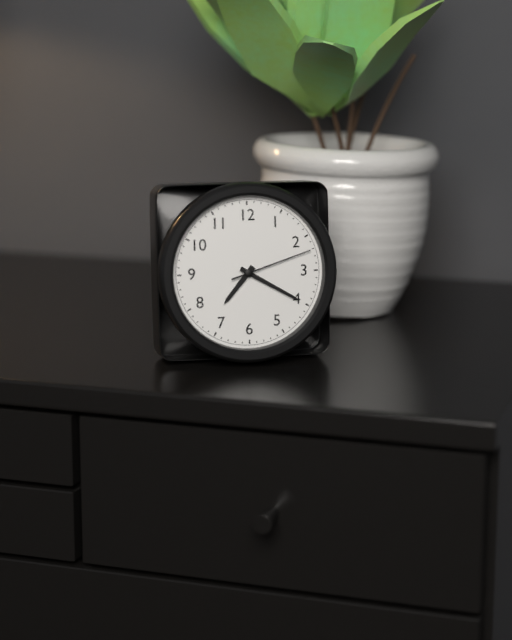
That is 7:20:12
